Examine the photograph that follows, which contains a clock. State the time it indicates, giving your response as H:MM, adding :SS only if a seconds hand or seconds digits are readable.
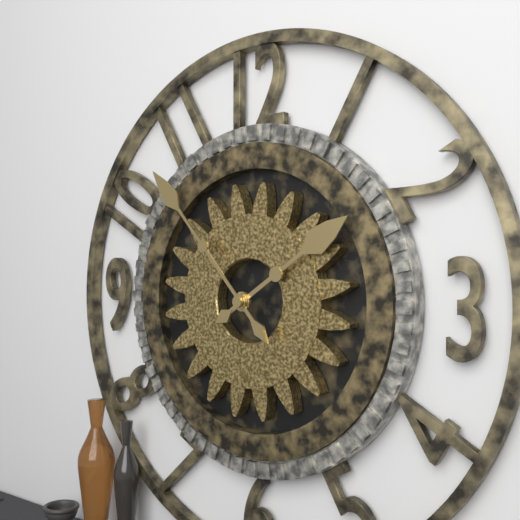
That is 1:53
